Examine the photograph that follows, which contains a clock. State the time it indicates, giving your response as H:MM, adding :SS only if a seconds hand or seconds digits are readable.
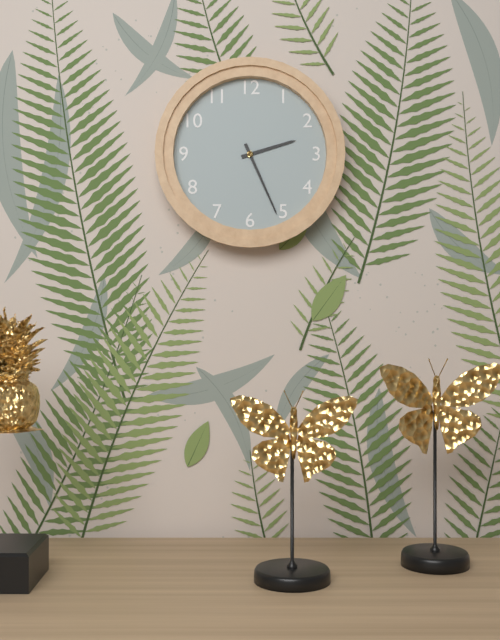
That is 2:26
